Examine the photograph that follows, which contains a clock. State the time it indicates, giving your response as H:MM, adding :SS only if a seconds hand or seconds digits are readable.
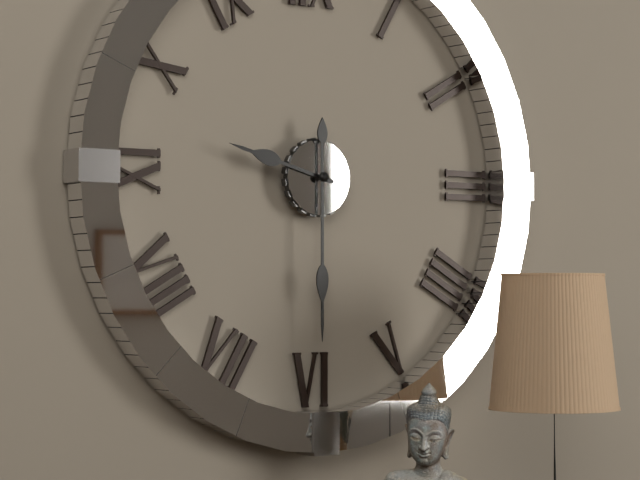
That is 9:30
